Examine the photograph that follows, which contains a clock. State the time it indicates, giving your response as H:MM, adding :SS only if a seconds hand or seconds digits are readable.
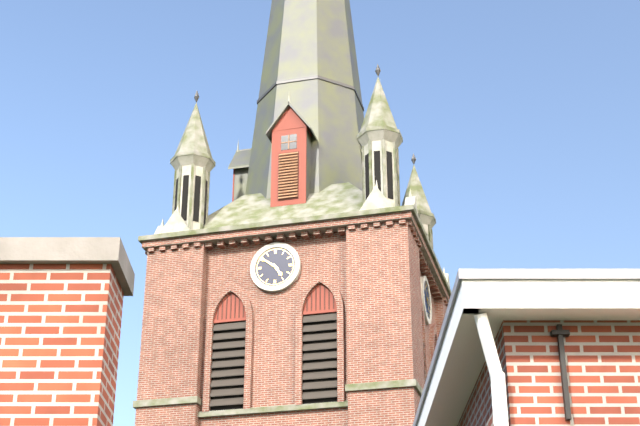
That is 4:51
